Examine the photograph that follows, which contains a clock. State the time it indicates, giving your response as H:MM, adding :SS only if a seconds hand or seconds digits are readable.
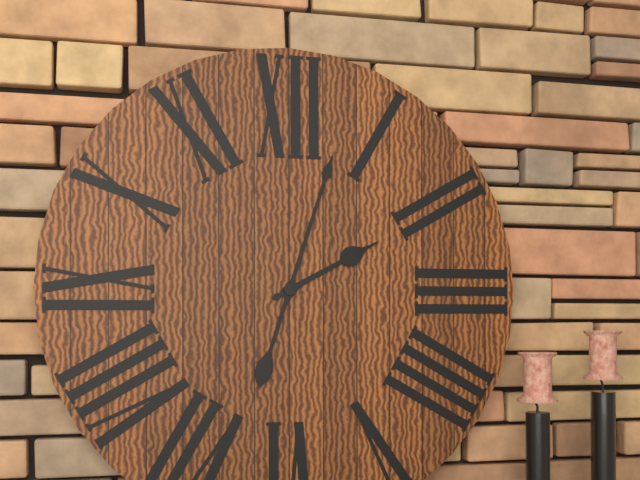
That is 2:03
